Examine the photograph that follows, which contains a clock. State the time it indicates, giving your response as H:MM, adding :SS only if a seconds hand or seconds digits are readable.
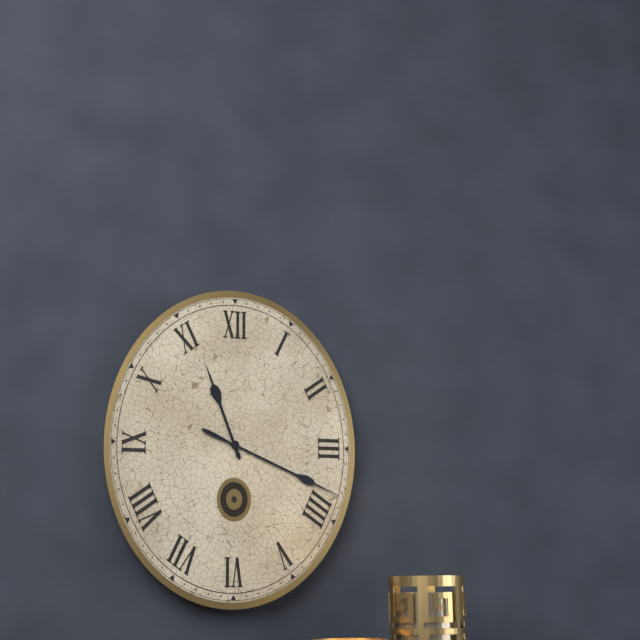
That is 11:19
